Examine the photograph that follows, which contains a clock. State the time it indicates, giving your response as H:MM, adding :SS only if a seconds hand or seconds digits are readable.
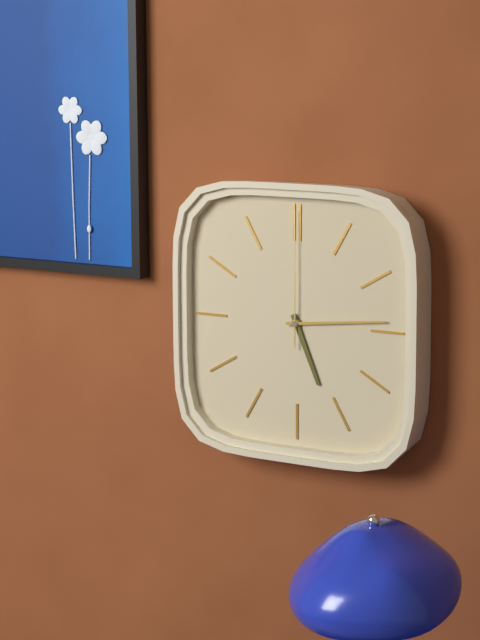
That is 5:14:00
